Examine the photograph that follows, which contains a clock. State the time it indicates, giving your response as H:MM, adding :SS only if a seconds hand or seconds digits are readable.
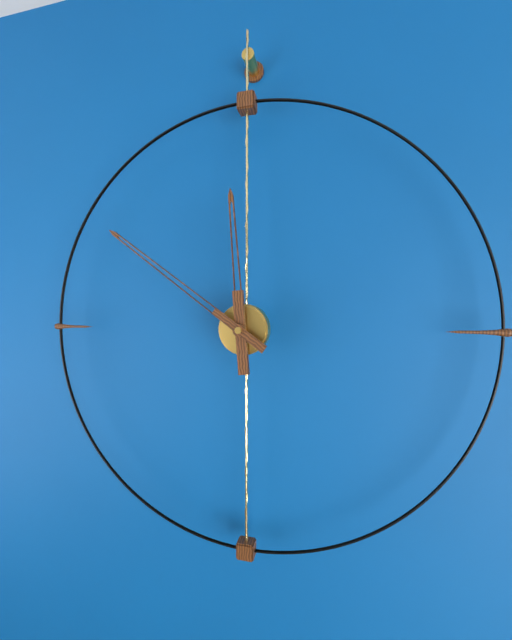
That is 11:51
